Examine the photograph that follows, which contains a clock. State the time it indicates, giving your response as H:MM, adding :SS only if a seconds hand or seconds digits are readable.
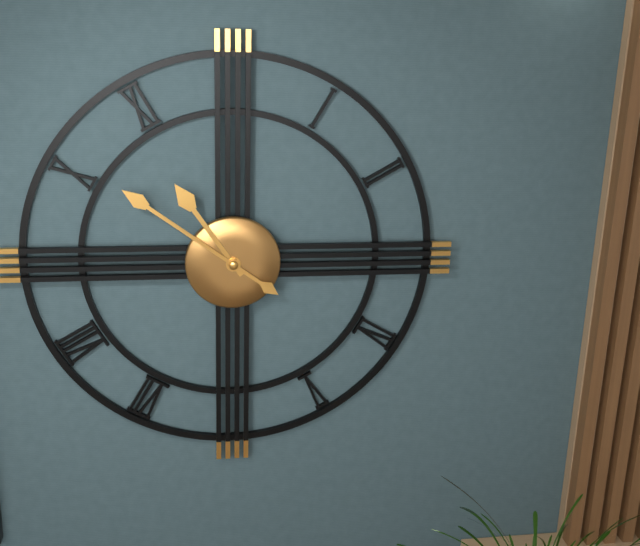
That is 10:51
